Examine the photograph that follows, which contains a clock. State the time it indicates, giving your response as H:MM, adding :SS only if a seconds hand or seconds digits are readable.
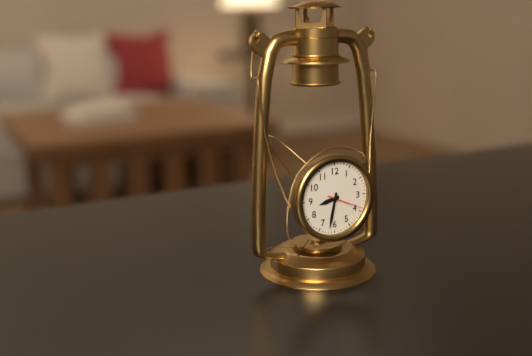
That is 8:32
